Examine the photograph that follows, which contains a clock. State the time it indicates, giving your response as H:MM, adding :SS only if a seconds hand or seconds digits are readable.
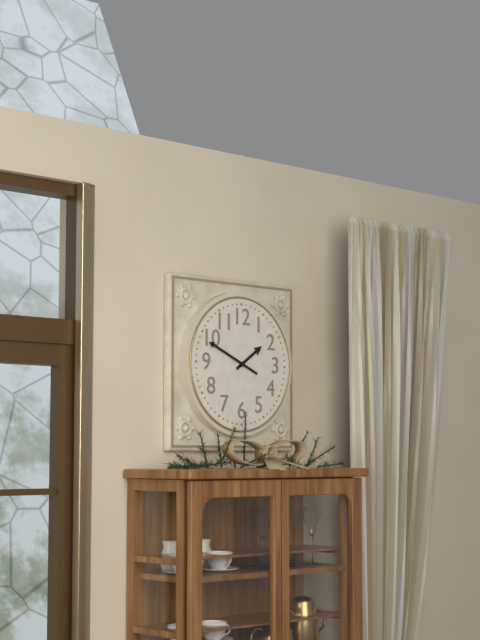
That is 1:49
